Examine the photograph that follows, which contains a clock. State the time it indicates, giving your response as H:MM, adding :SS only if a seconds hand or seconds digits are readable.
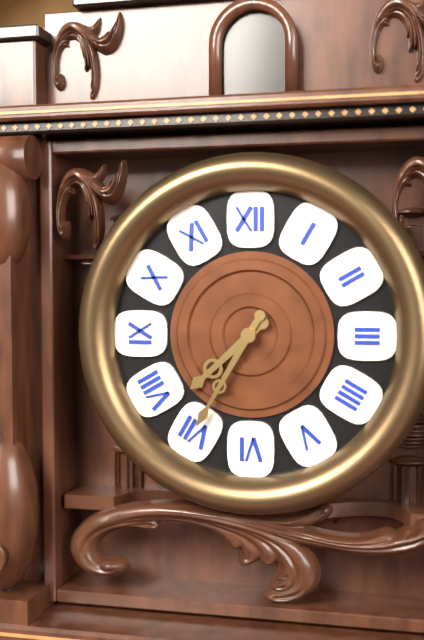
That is 7:35
